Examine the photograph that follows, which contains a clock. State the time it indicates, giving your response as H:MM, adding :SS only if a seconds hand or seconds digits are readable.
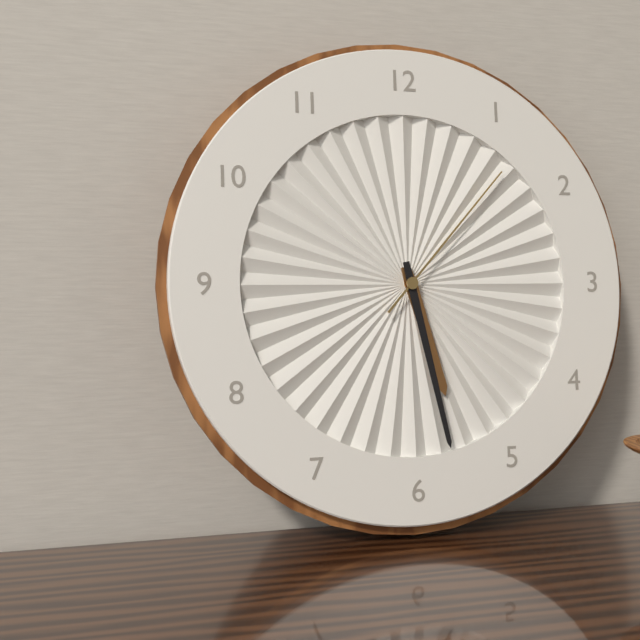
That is 5:28:07
